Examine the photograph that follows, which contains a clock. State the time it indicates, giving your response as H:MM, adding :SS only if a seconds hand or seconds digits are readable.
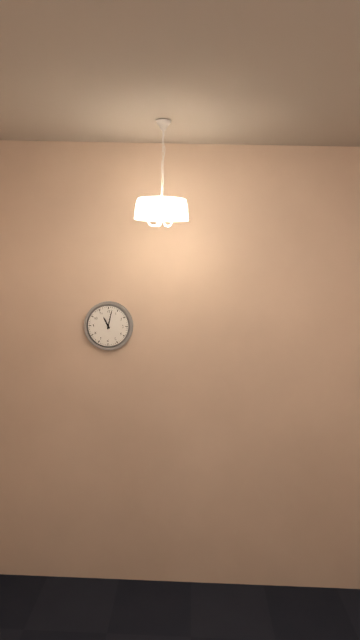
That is 11:02
